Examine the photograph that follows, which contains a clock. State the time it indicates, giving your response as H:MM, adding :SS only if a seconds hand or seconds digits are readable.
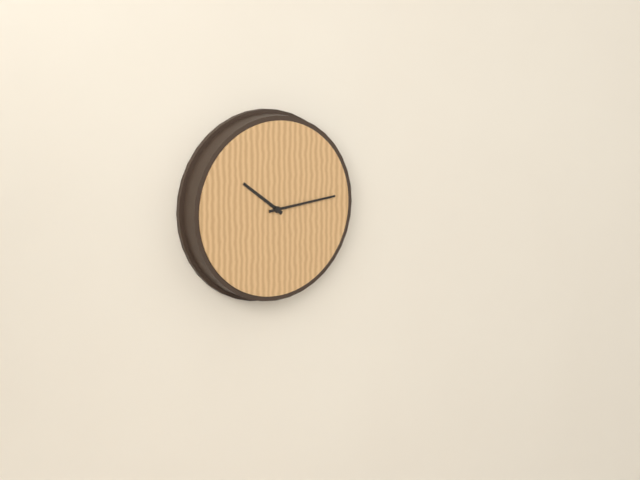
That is 10:14
